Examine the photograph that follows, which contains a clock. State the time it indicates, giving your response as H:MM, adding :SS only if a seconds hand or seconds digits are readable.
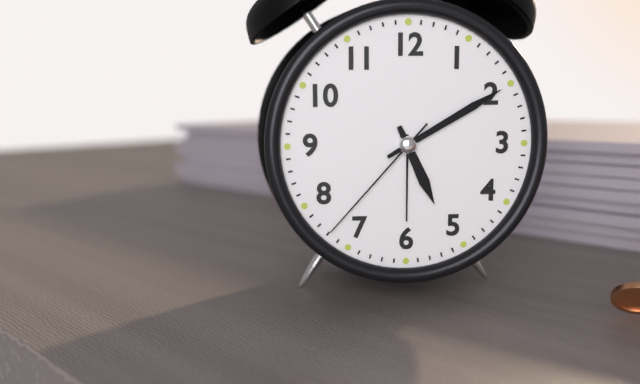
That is 5:10:37
